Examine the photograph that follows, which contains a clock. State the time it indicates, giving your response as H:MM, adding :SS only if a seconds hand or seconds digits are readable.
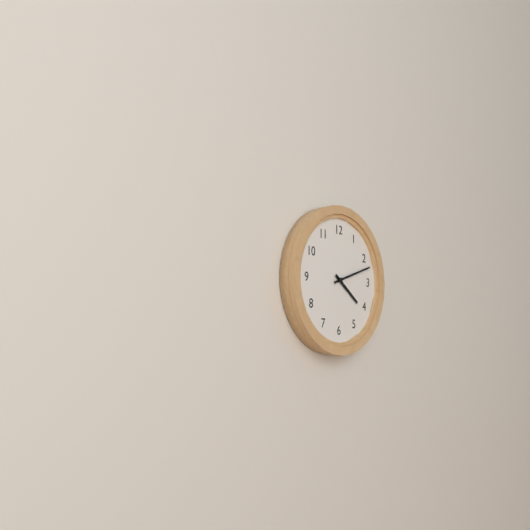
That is 4:12
